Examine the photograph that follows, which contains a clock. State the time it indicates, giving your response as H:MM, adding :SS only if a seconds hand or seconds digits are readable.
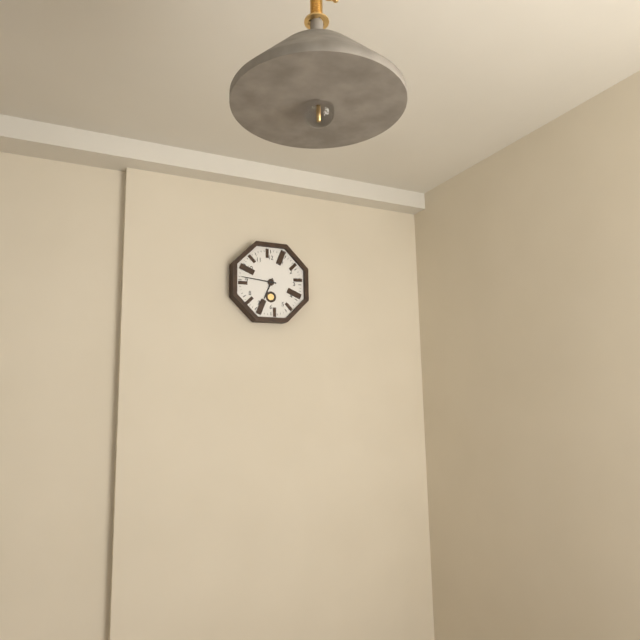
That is 6:46
